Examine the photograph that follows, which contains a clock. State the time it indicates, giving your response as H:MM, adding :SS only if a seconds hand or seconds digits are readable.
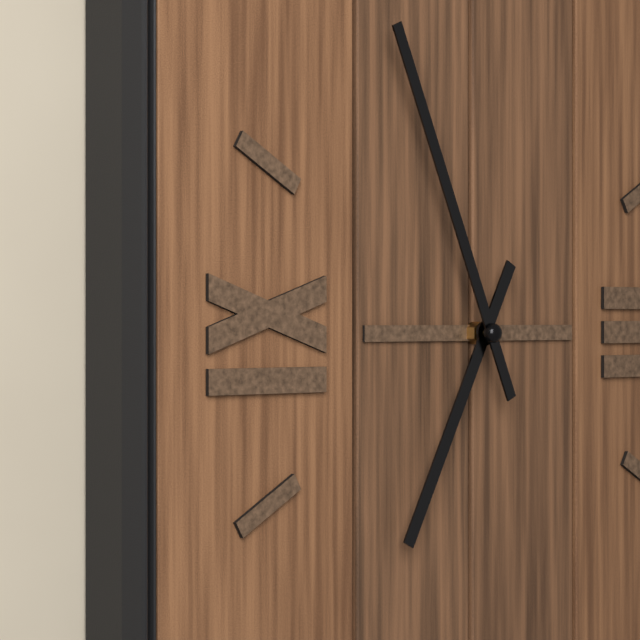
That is 6:56
